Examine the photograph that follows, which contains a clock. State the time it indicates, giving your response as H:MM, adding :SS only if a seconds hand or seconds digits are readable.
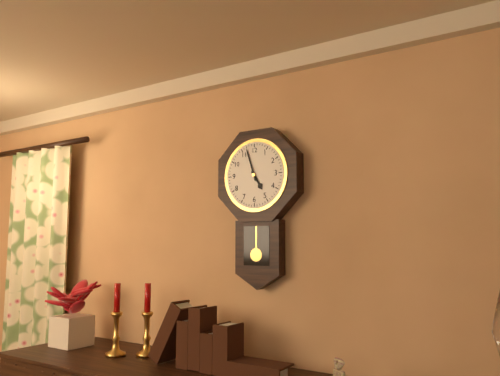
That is 4:57
